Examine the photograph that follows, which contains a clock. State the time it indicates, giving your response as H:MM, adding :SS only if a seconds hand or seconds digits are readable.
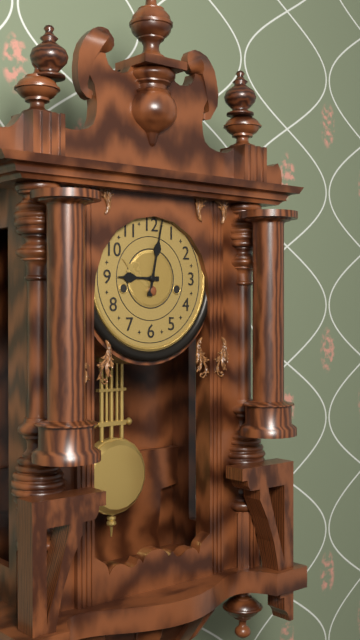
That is 9:02
